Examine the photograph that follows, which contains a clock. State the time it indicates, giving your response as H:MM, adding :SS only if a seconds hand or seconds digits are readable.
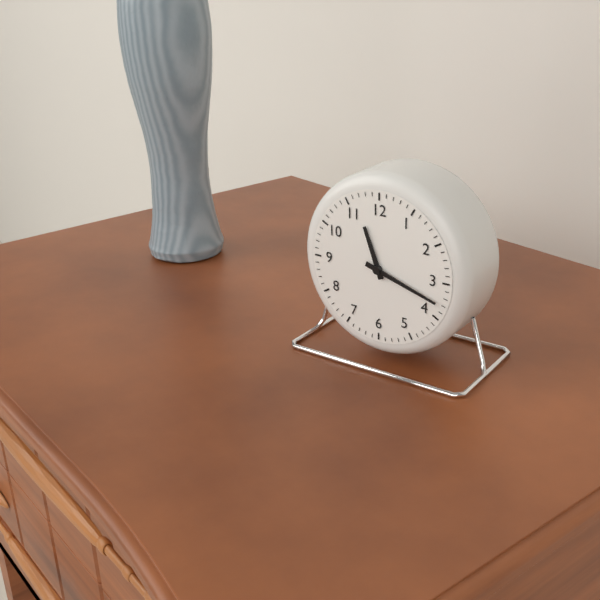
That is 11:18
